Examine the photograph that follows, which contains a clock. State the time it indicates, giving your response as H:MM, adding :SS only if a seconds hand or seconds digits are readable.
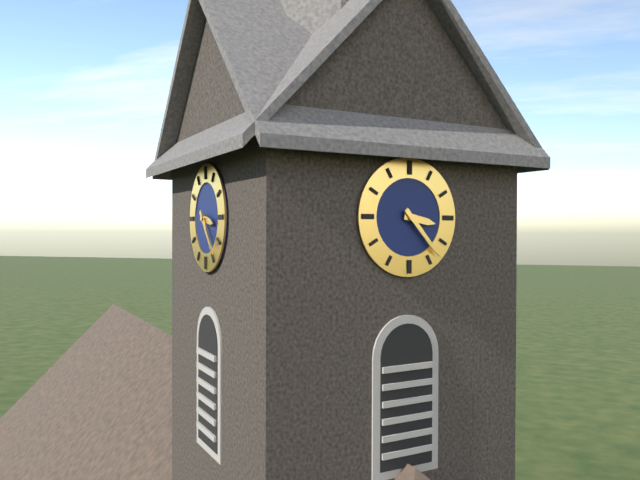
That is 3:23
